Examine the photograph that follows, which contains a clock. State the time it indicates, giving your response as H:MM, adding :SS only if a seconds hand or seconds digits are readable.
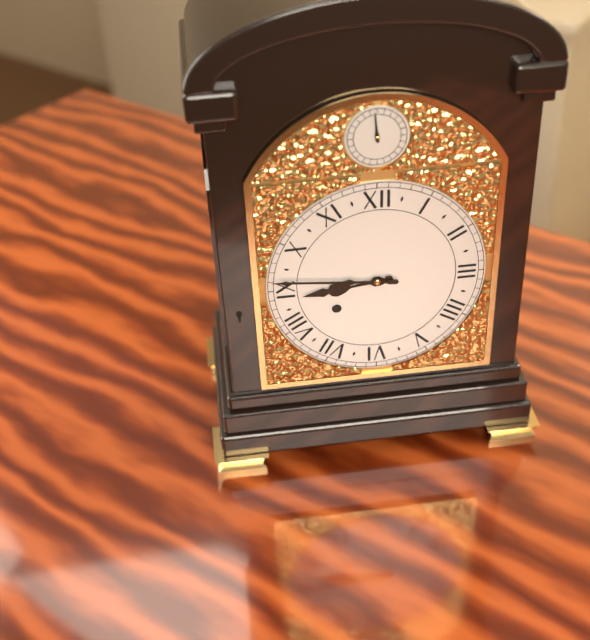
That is 8:46
